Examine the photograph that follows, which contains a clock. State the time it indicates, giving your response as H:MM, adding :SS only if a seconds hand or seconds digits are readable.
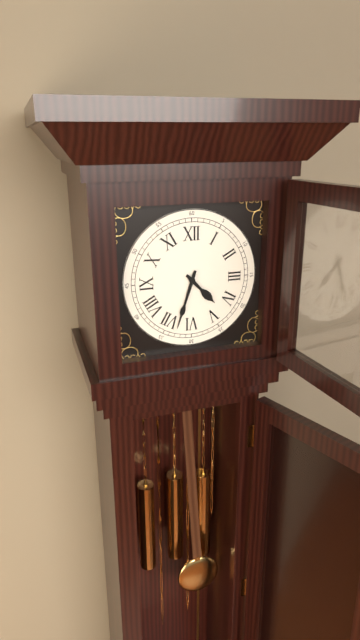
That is 4:33
